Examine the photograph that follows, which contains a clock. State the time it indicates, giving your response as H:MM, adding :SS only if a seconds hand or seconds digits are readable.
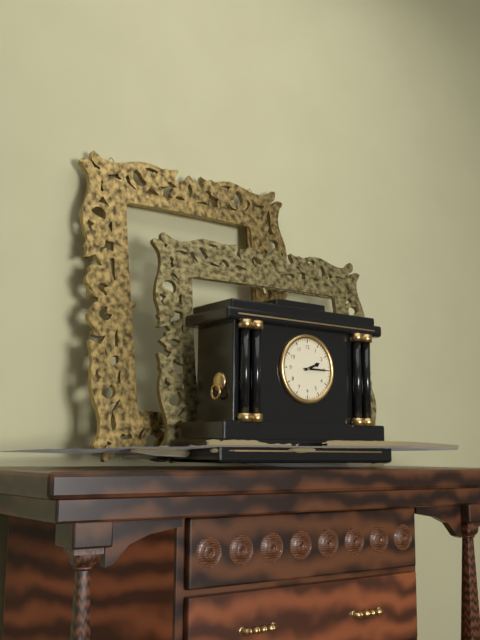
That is 2:15
